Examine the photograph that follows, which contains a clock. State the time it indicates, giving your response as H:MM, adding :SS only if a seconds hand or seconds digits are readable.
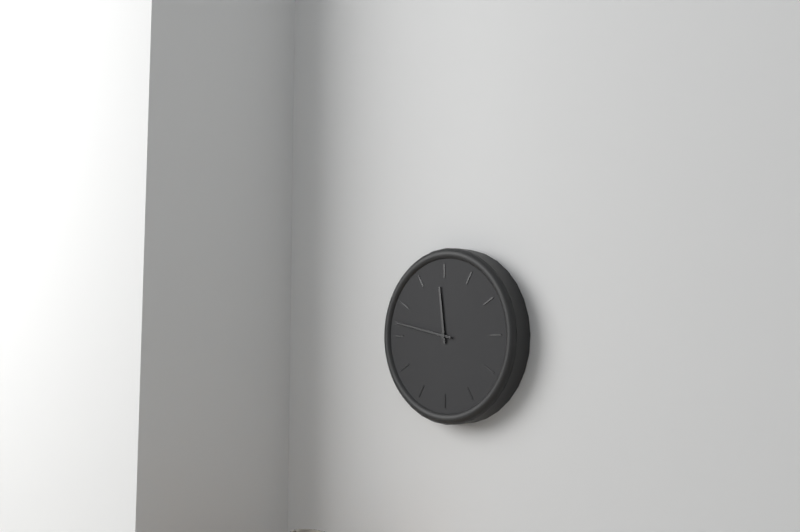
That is 11:47
